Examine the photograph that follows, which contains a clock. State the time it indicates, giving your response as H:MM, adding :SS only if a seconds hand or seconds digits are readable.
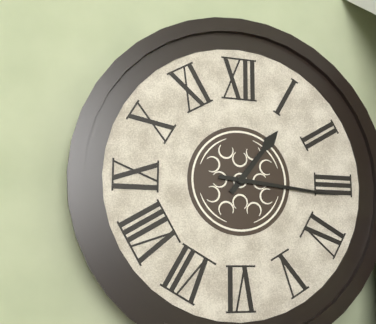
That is 1:16
